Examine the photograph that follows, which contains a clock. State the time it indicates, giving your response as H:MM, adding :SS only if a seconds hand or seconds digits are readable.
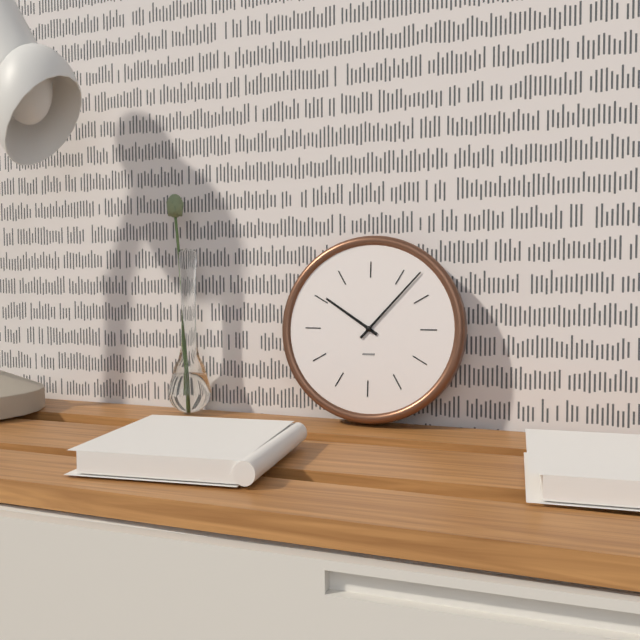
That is 10:07
